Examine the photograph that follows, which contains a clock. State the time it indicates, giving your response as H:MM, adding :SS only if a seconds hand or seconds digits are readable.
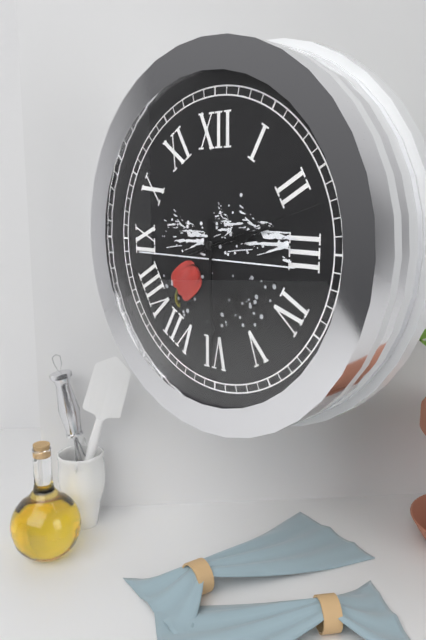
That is 2:30:12
